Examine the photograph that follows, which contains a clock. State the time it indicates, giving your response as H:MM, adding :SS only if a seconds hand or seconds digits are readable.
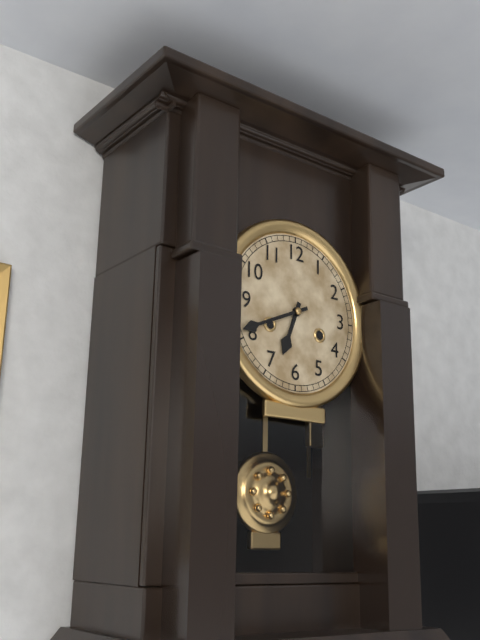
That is 6:41
